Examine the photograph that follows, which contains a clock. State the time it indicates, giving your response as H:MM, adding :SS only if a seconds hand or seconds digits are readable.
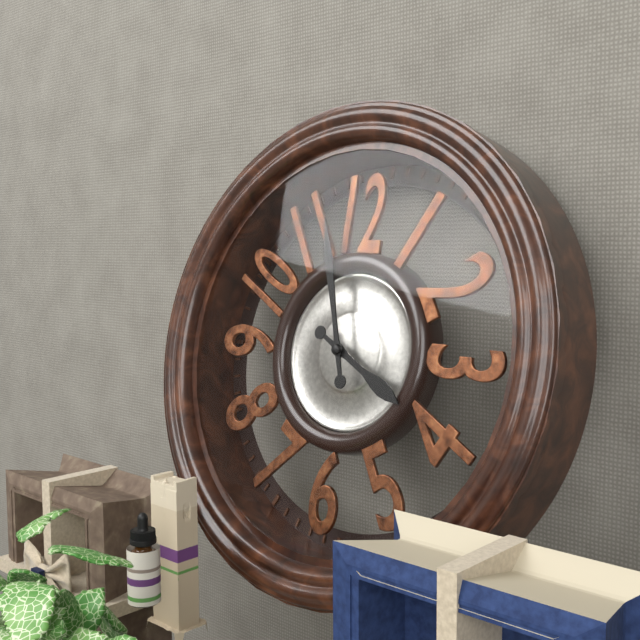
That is 3:57
